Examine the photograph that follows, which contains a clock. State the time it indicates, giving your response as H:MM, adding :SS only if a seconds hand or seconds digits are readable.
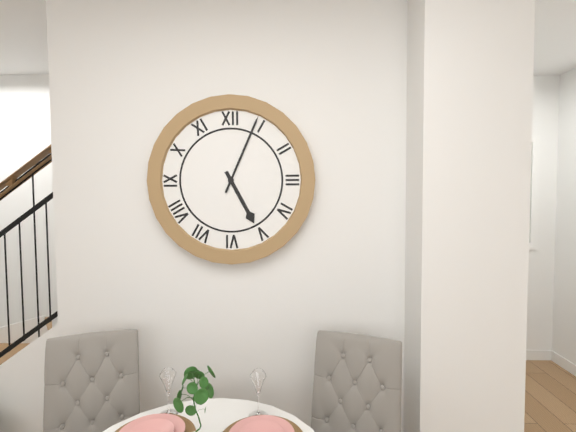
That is 5:04
